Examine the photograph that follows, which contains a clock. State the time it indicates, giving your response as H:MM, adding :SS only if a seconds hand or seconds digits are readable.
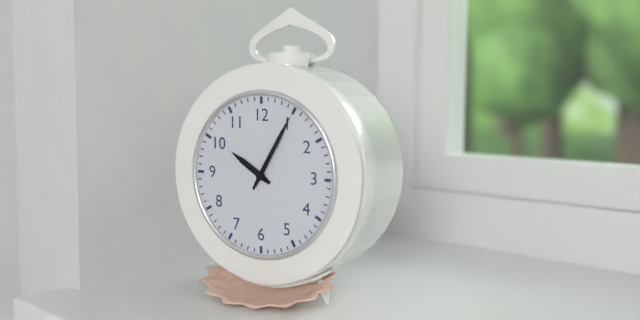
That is 10:05
